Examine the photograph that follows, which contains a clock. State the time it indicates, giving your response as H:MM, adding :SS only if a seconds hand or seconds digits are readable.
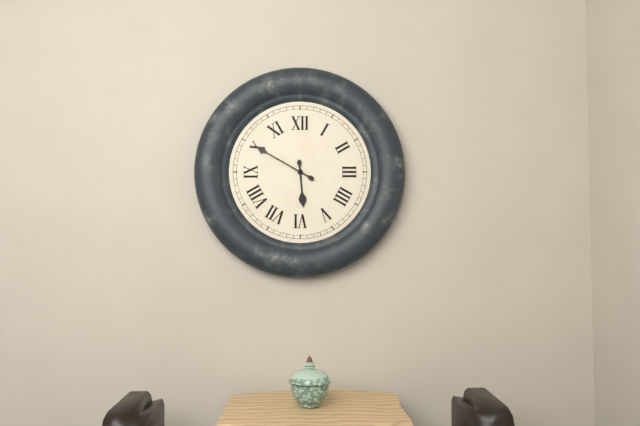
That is 5:50
